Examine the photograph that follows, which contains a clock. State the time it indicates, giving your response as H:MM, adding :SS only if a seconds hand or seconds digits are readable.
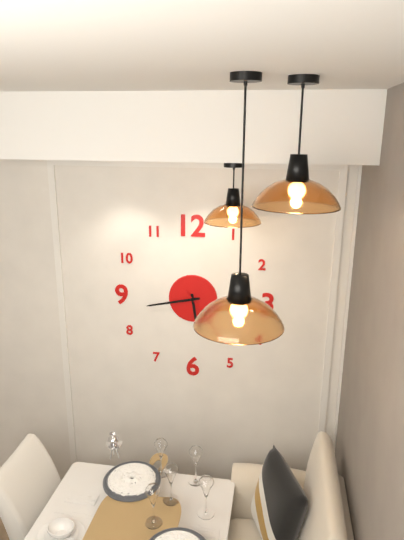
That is 5:43:24
